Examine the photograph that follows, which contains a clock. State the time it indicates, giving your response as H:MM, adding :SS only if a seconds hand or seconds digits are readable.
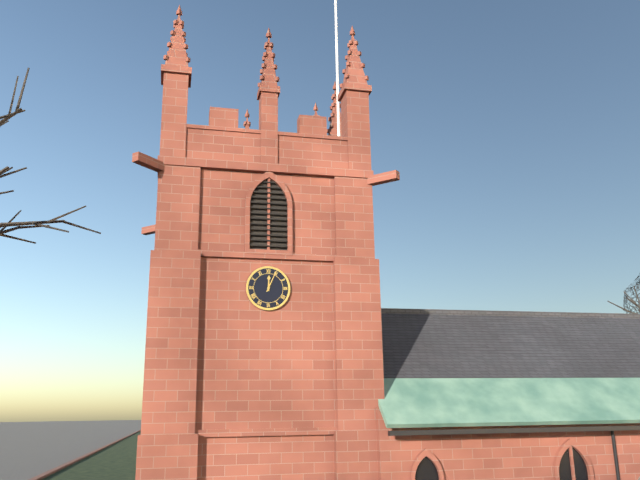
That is 12:04
